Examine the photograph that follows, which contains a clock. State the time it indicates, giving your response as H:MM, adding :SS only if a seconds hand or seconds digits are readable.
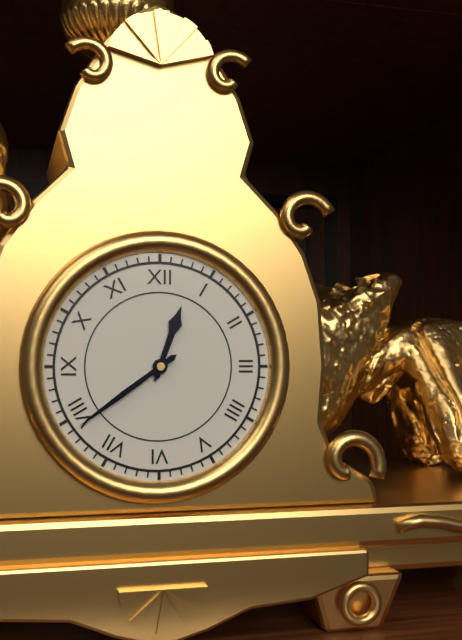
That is 12:39
